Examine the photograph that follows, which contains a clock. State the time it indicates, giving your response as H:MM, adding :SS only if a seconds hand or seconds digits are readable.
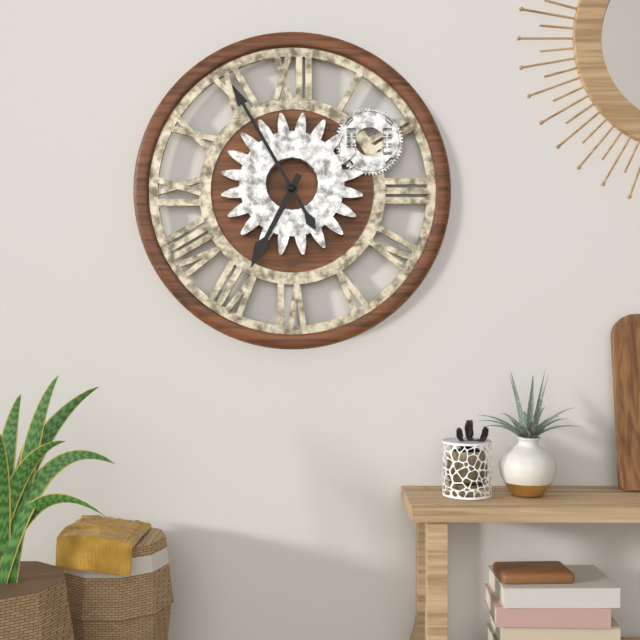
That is 6:55
